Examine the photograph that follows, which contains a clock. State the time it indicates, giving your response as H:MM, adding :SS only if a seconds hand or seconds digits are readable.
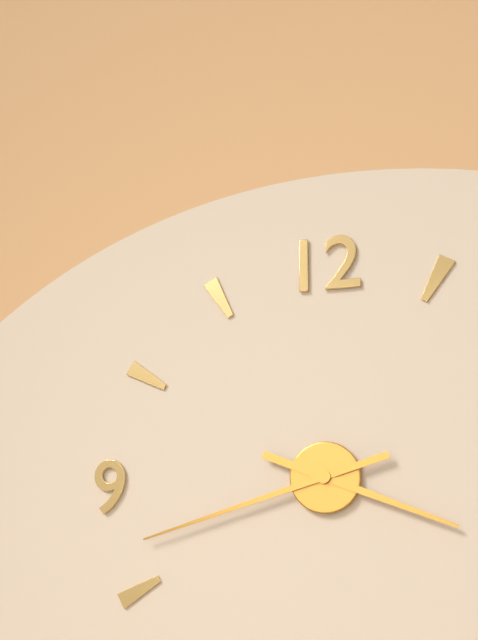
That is 3:42
